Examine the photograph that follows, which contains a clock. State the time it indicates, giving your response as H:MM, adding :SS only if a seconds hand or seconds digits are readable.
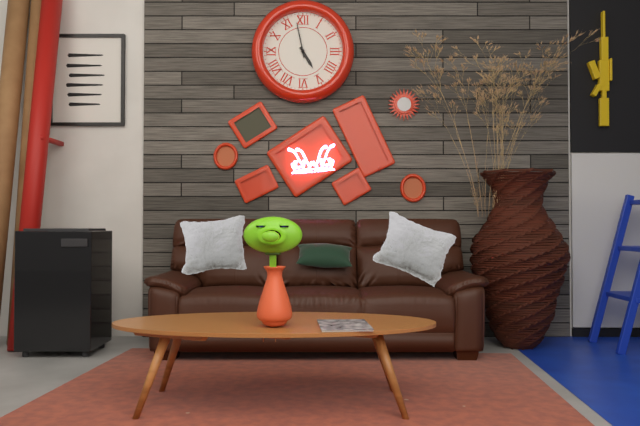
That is 4:58
